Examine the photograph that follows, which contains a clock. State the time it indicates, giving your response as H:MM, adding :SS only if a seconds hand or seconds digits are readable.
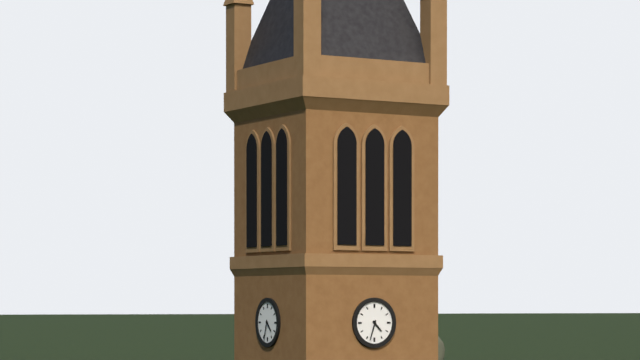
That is 4:33
